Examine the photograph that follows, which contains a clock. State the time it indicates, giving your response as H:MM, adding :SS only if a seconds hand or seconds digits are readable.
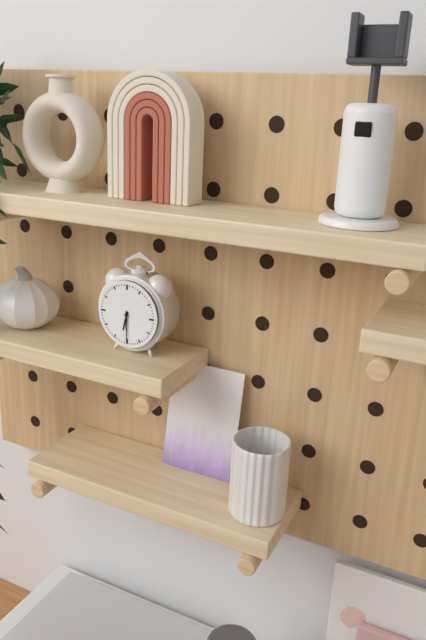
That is 6:30
